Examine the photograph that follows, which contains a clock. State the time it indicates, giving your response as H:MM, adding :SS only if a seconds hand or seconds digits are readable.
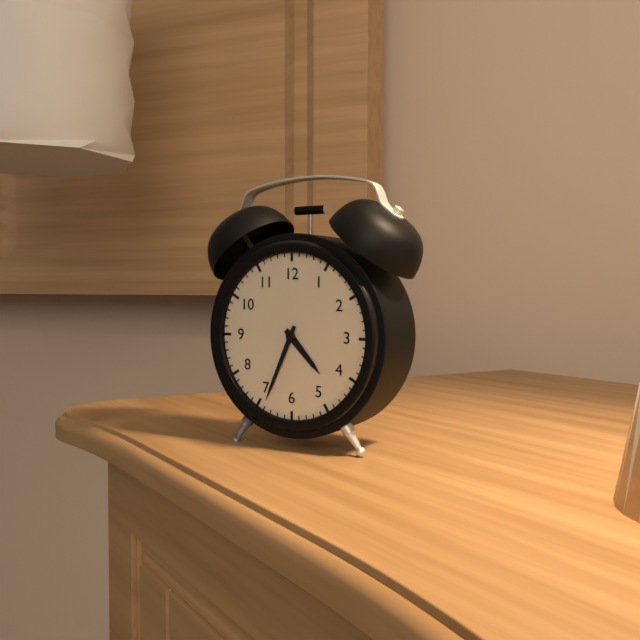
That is 4:34
